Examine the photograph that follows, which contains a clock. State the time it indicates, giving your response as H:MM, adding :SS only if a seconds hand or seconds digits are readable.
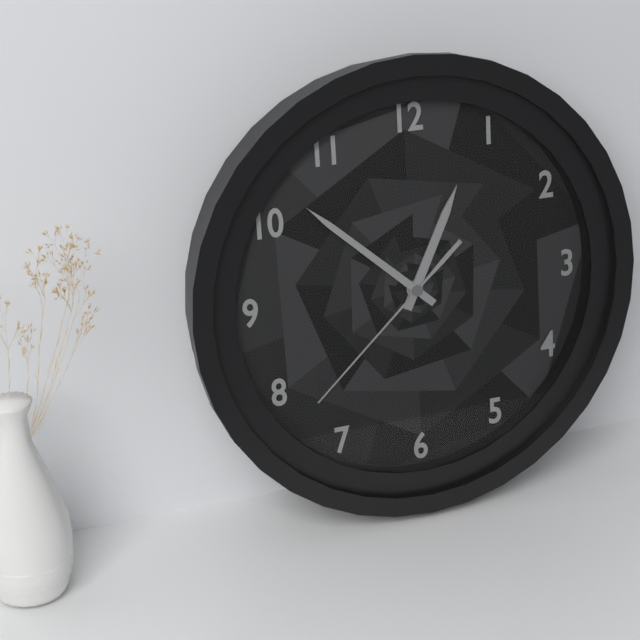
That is 12:52:38
